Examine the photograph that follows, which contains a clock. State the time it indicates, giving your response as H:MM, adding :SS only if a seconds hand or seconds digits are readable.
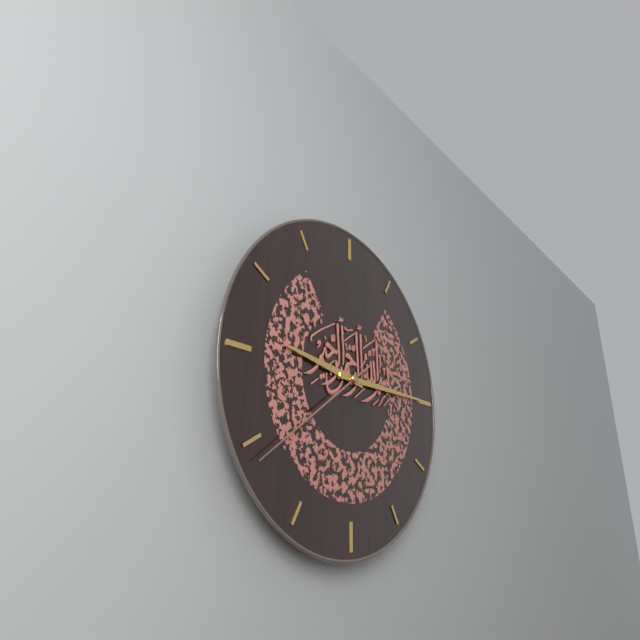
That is 9:15:39
